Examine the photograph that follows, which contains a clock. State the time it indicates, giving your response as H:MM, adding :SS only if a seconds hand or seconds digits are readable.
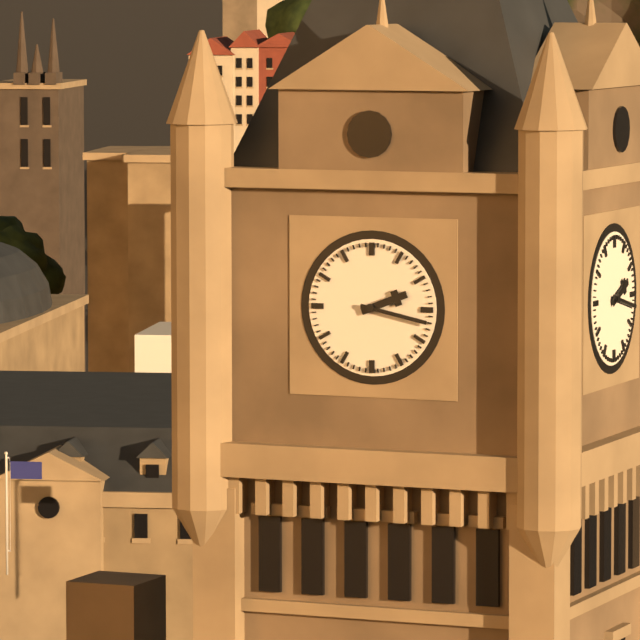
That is 2:17
